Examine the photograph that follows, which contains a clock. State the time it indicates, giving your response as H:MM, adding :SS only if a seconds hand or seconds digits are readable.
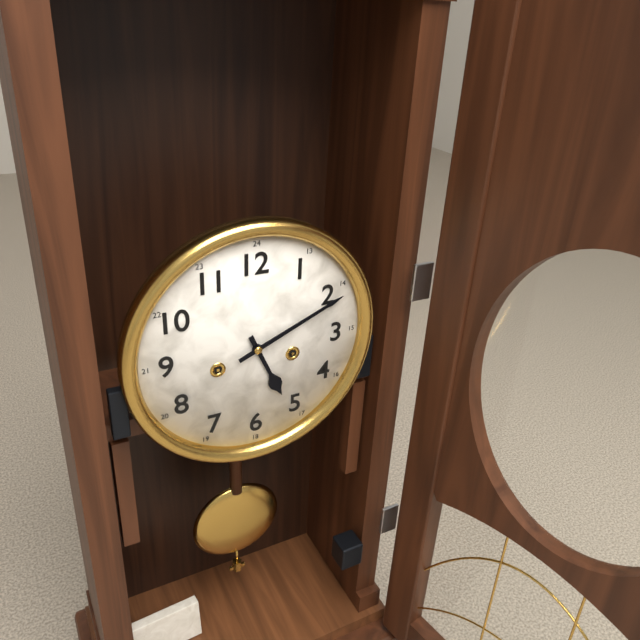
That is 5:11
